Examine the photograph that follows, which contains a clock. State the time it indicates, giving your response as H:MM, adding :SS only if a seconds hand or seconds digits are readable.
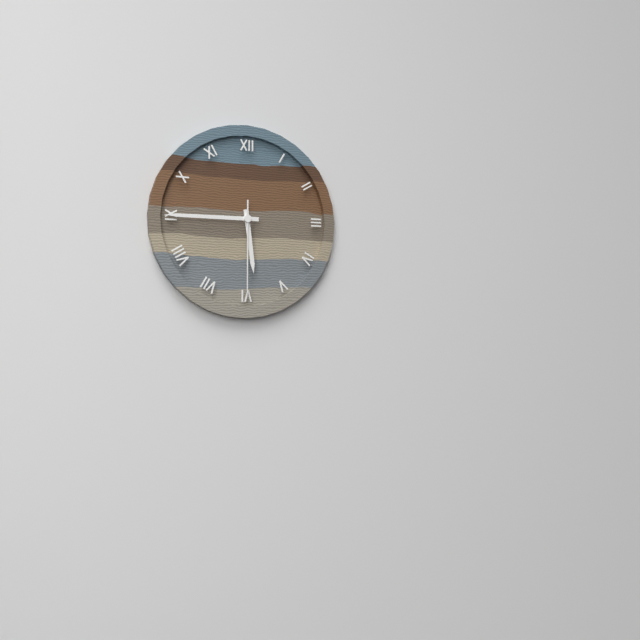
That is 5:45:30
